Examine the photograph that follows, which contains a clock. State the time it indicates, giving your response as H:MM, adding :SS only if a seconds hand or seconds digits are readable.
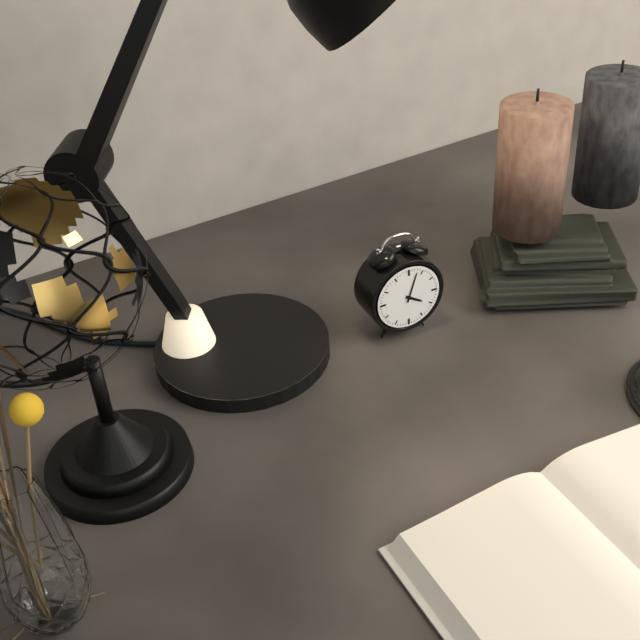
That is 4:03
